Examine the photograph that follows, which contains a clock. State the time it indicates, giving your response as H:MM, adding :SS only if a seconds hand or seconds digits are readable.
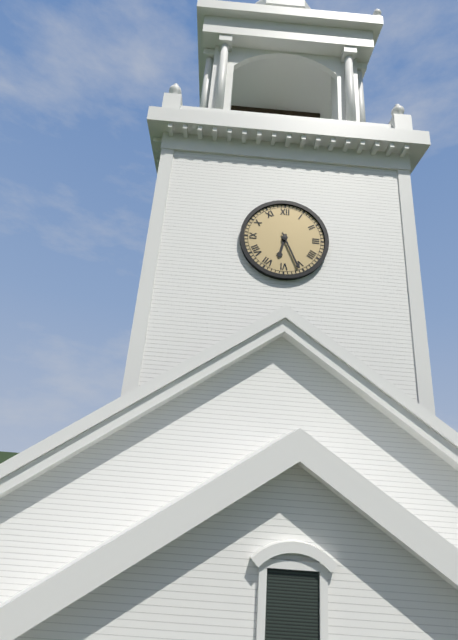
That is 6:26
